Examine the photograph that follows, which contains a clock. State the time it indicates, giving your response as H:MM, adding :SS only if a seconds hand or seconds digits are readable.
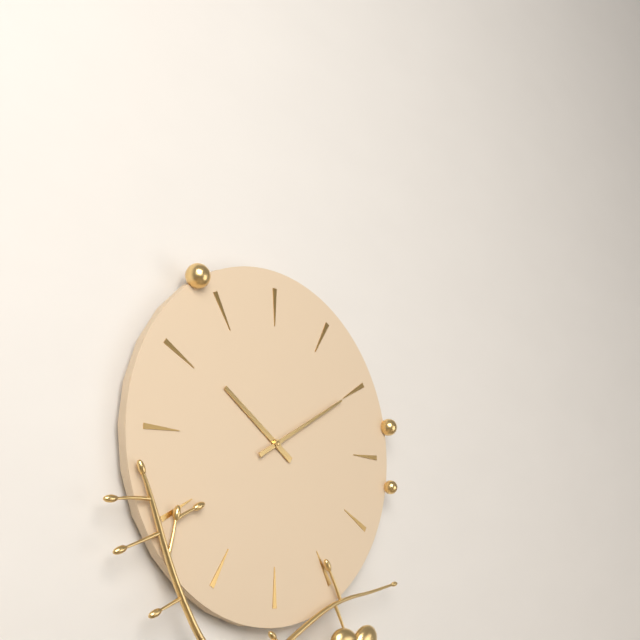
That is 10:10
